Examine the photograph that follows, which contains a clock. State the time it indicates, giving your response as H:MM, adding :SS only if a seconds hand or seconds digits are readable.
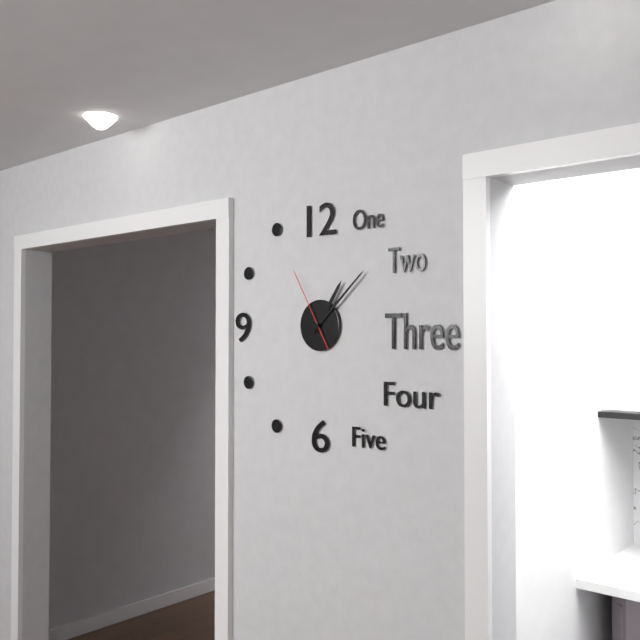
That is 1:08:55
